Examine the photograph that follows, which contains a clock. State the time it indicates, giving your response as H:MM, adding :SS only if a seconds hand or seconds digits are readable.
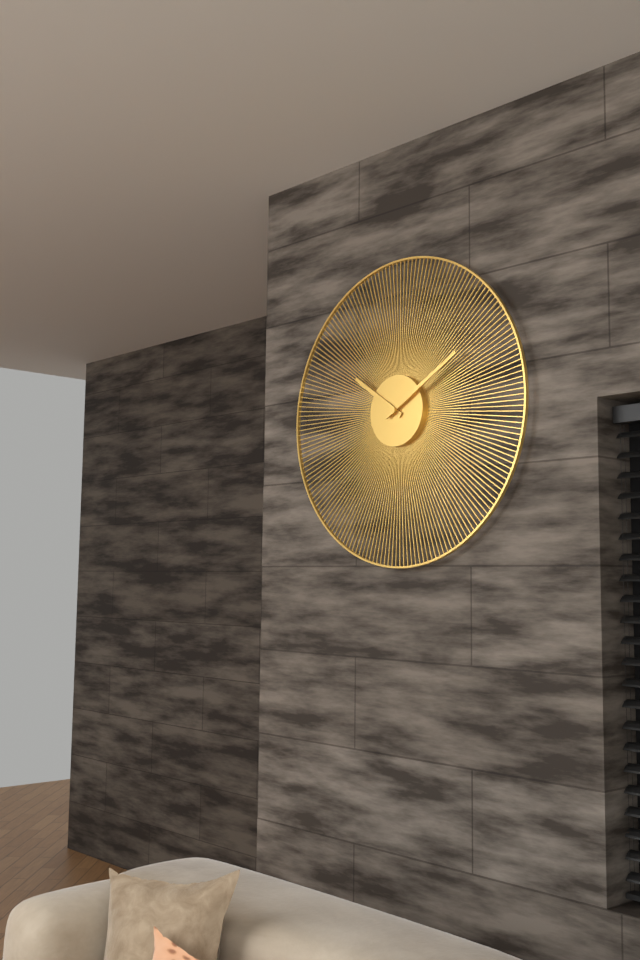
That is 10:10
